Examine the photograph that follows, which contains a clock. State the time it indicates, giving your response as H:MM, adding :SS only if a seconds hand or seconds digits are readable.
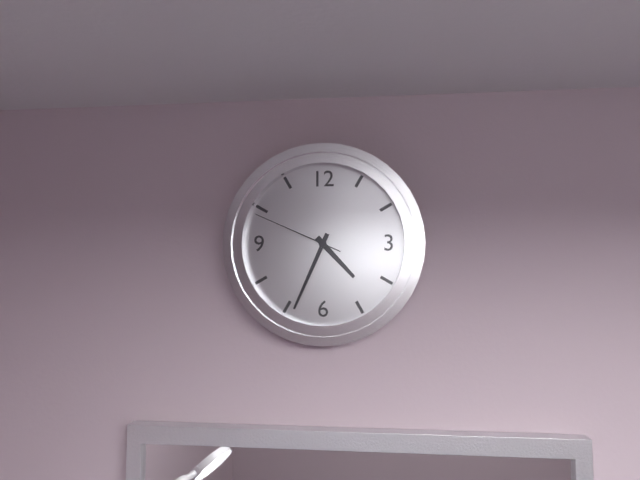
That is 4:34:49
